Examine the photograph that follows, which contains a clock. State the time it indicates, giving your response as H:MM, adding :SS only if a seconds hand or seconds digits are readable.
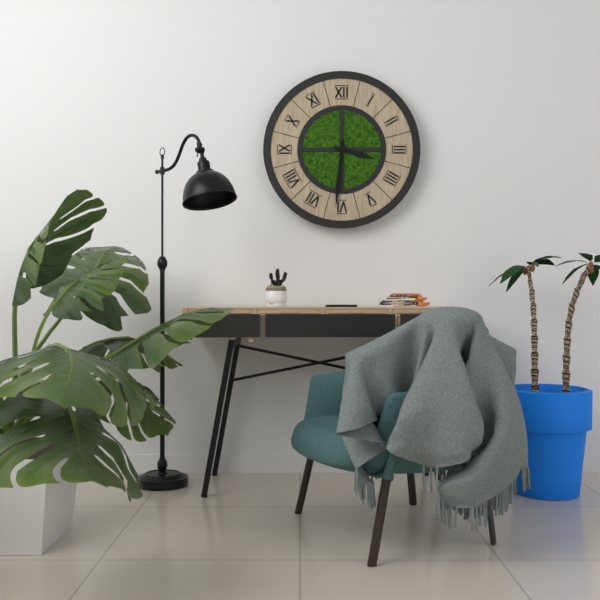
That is 3:31
